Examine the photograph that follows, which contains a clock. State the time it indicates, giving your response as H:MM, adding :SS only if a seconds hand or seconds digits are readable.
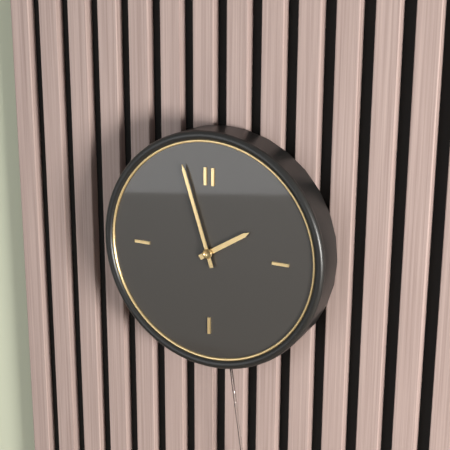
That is 1:57
